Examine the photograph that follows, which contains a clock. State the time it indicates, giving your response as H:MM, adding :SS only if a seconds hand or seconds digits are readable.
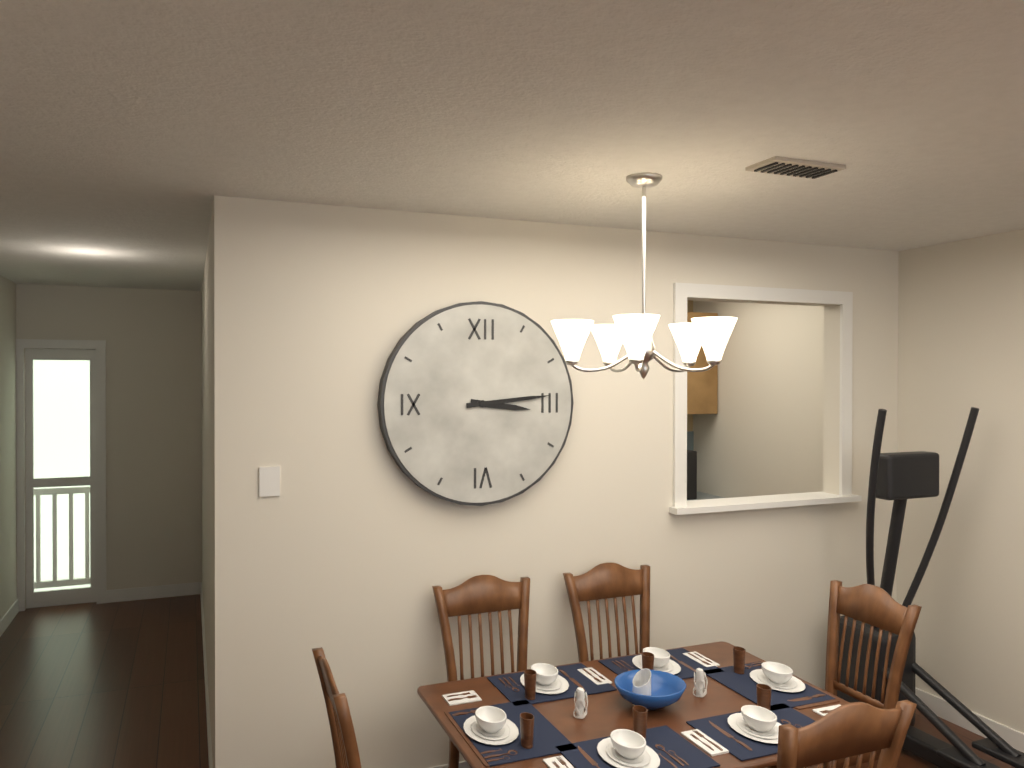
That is 3:14
